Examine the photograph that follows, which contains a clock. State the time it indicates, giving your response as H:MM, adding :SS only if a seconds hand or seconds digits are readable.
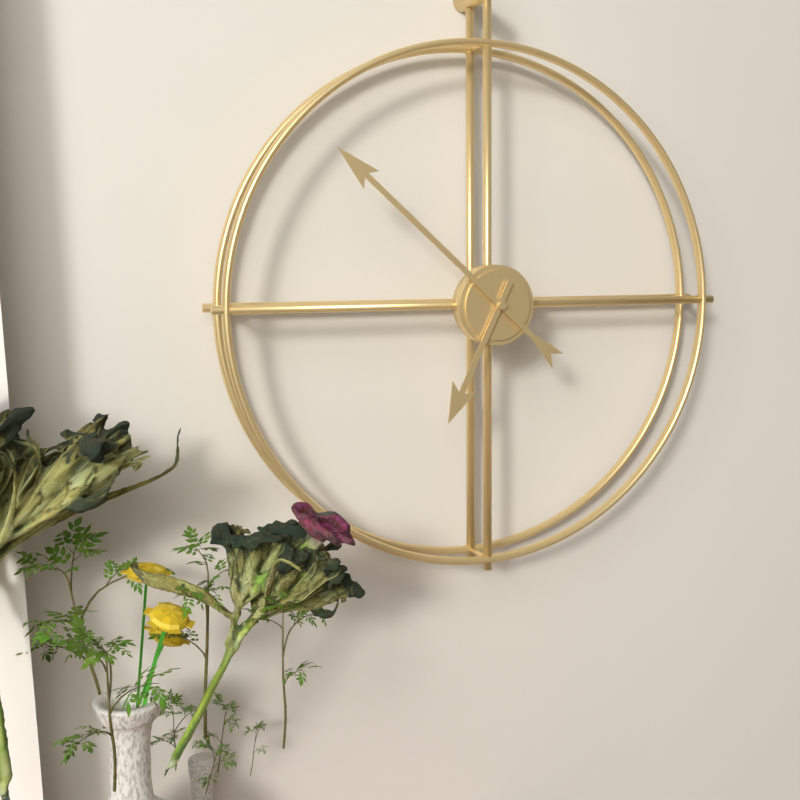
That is 6:52
